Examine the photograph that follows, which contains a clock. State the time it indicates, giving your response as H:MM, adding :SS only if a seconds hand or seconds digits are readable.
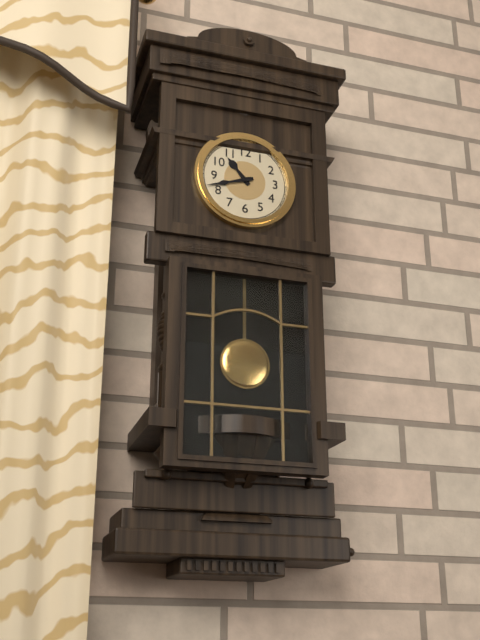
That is 10:42
